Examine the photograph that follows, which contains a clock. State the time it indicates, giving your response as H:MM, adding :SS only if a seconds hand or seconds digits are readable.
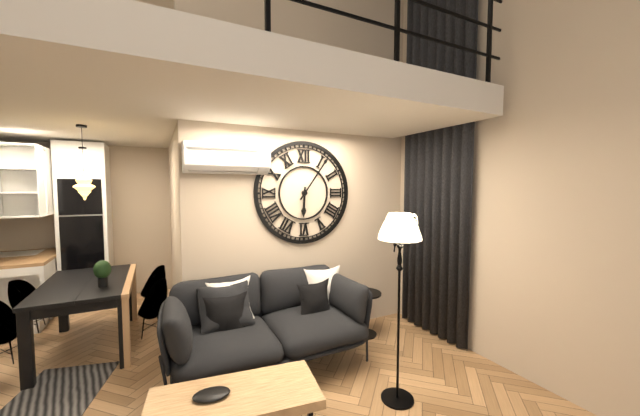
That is 6:06
